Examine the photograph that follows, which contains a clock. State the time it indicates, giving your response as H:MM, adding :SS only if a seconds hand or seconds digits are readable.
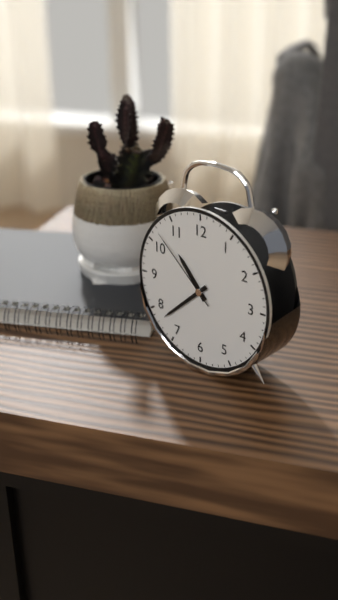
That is 10:38:52
